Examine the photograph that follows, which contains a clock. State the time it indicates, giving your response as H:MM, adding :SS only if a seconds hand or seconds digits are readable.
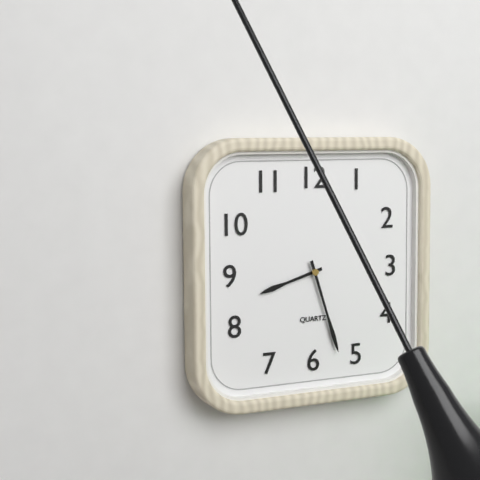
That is 8:27
